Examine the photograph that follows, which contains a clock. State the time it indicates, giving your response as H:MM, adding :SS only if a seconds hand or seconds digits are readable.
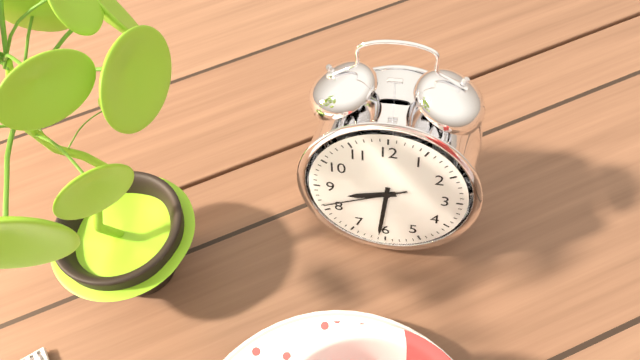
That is 8:31:41
